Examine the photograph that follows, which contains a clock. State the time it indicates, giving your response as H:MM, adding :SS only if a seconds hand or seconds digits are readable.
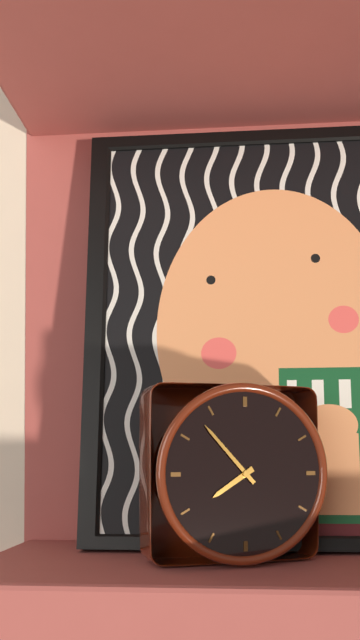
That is 7:53
